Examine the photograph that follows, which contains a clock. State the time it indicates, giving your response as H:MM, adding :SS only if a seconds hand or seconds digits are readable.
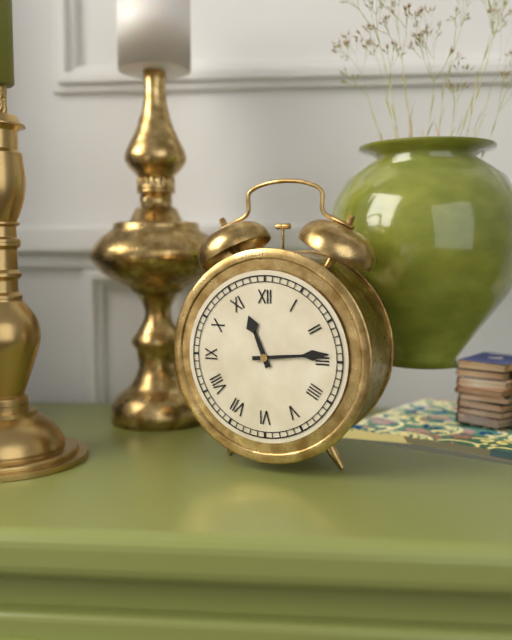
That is 11:14
